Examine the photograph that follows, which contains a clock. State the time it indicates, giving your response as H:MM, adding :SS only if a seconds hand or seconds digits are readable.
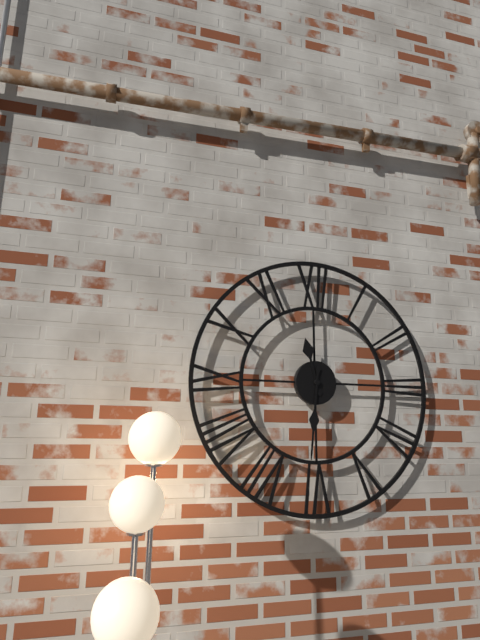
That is 11:31
